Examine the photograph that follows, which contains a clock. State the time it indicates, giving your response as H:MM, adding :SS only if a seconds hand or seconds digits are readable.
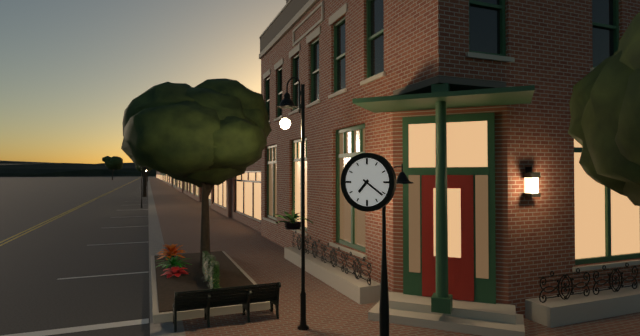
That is 7:21
